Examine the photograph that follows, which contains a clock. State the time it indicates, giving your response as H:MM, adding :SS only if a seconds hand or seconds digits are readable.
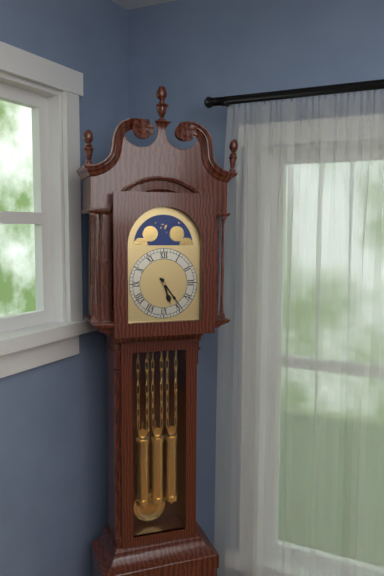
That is 5:24
